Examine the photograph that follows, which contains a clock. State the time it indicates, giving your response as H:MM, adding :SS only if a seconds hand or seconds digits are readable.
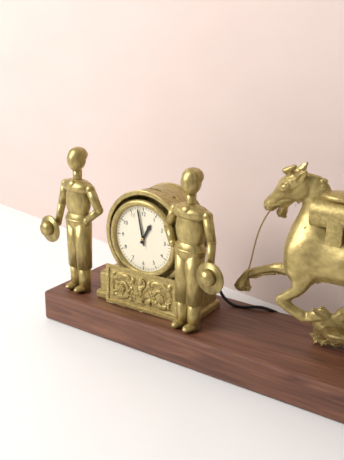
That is 12:58
